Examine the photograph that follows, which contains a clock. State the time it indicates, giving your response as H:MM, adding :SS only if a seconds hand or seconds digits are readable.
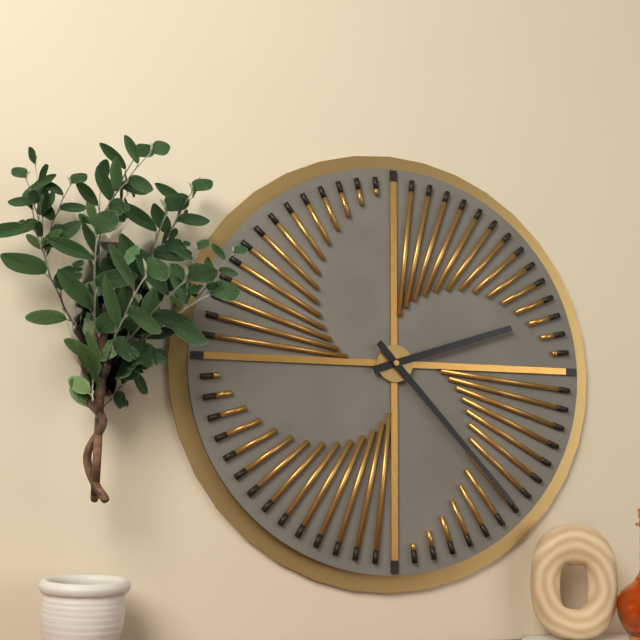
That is 2:23
